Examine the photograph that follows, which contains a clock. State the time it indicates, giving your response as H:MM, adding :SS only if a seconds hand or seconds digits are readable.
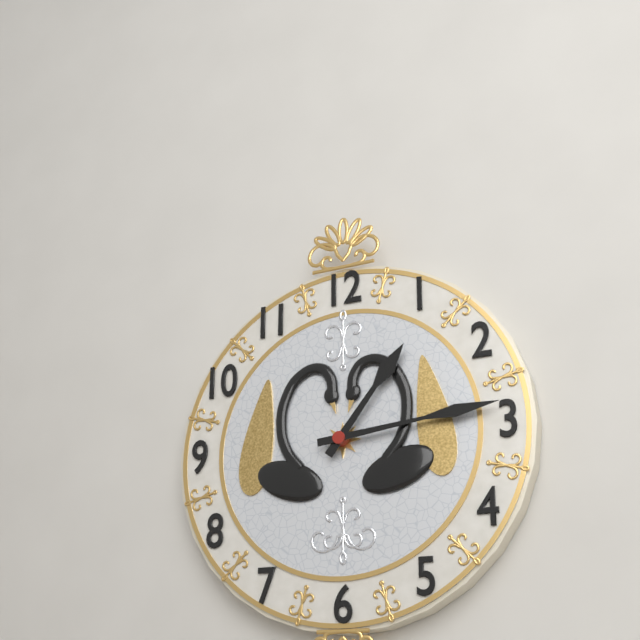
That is 1:14
